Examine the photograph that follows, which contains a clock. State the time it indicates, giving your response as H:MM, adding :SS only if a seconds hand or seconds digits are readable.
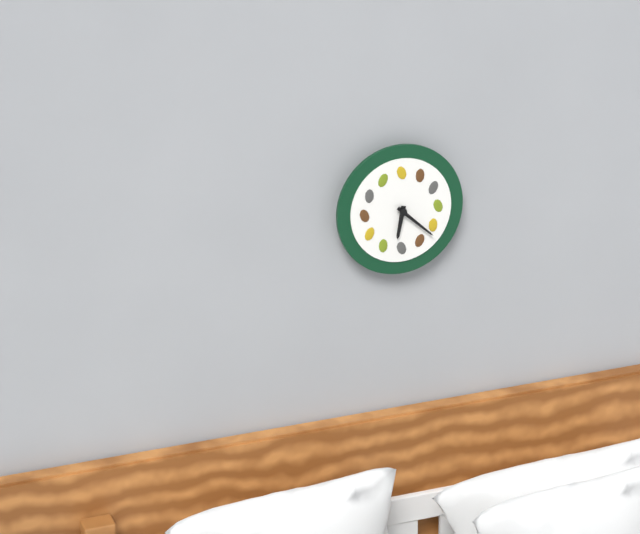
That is 6:22
